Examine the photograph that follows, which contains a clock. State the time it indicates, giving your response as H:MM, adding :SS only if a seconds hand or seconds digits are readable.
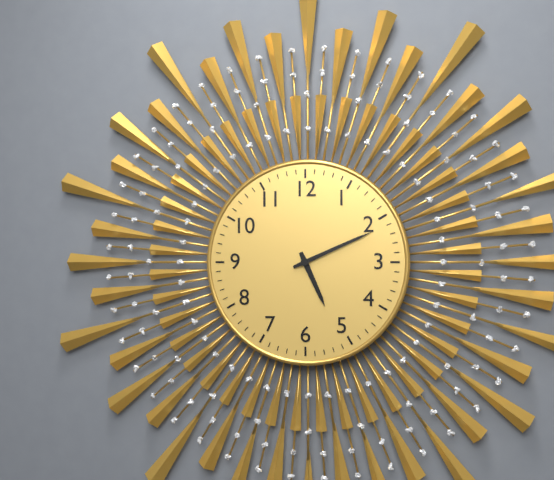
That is 5:11
